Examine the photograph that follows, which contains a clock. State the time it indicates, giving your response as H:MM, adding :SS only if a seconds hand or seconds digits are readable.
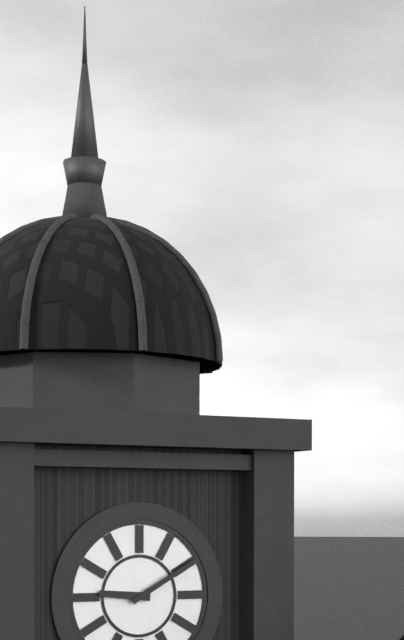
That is 9:10
